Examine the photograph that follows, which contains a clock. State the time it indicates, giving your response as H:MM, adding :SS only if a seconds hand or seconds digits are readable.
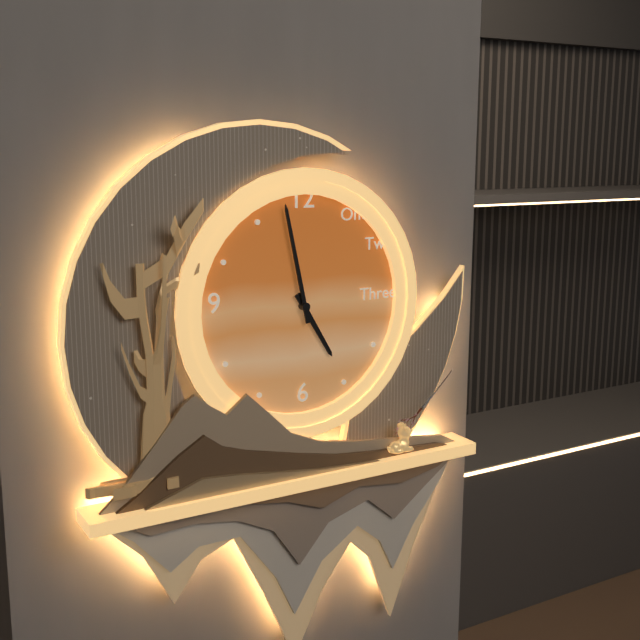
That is 4:58
